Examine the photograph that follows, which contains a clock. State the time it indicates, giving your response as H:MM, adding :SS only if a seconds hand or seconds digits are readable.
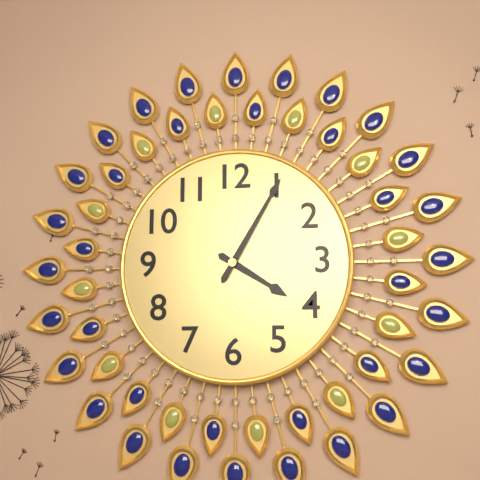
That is 4:05
